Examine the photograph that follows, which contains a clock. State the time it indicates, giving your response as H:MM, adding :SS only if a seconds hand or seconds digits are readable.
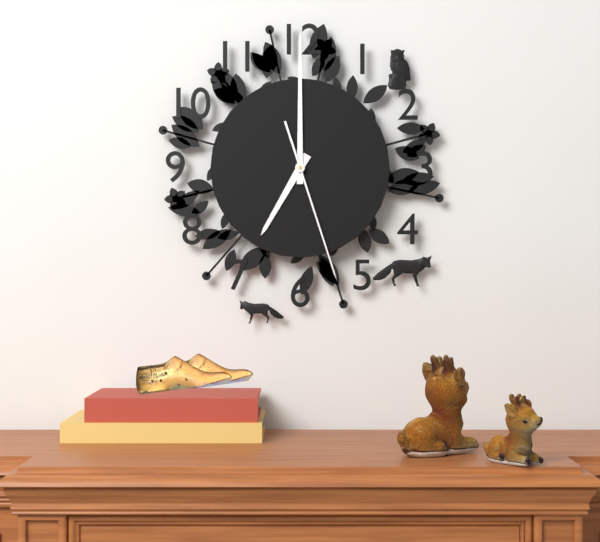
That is 7:00:27
